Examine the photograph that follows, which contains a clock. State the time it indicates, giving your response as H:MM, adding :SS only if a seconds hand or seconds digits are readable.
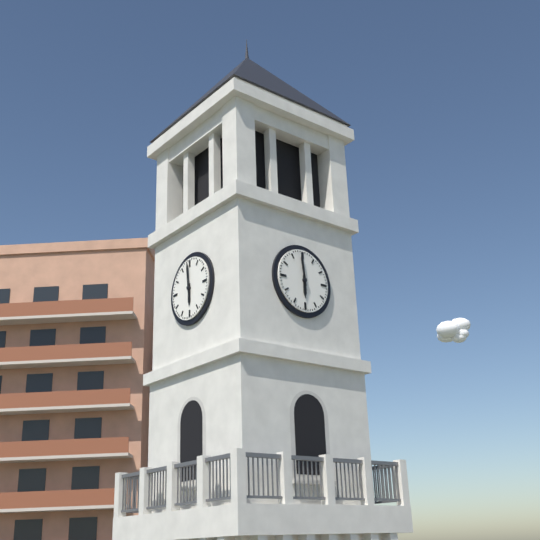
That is 5:59
